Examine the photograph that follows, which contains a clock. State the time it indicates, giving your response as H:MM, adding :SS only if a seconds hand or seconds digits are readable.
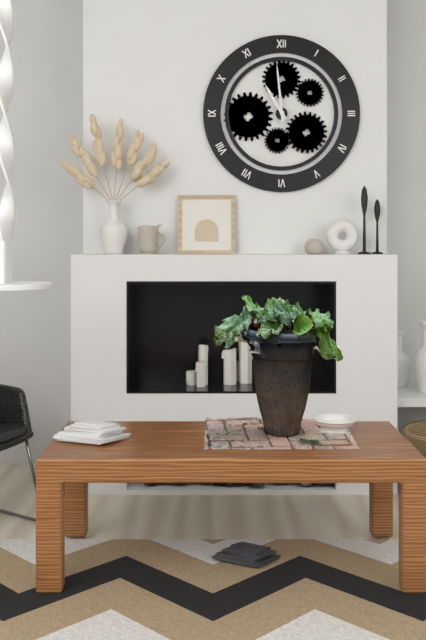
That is 10:59
